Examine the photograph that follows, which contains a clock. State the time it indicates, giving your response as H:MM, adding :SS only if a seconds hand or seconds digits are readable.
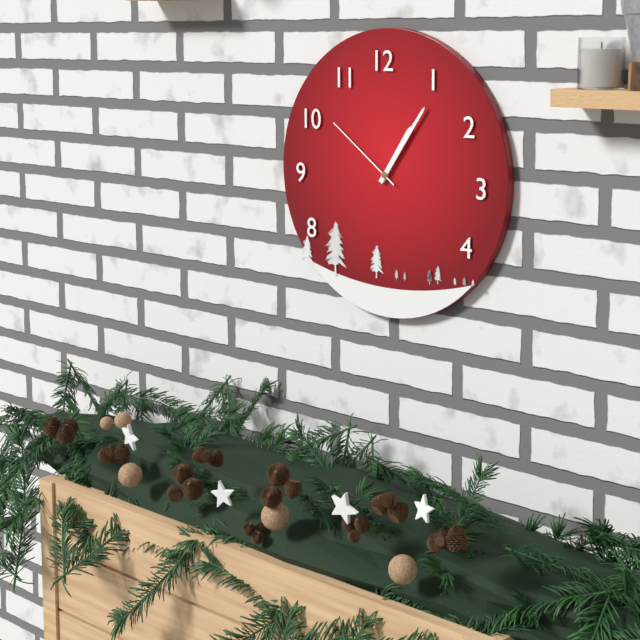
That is 1:06:51
